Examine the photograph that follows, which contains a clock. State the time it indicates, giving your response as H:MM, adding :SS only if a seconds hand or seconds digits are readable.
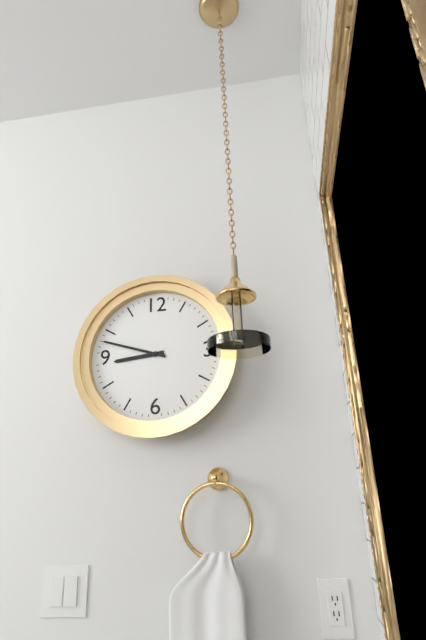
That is 8:48
